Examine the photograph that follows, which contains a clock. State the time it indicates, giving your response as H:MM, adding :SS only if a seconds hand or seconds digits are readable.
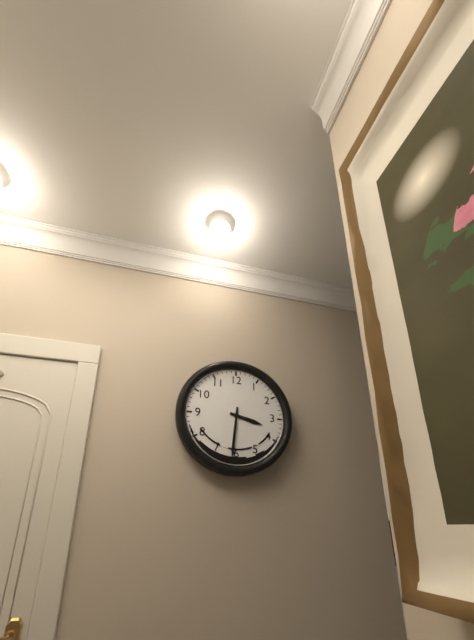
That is 3:31
